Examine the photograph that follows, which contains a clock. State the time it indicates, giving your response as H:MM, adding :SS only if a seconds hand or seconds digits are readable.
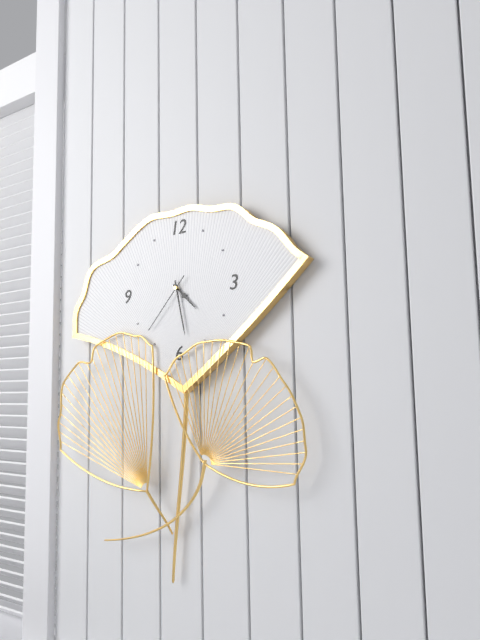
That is 4:28:37
